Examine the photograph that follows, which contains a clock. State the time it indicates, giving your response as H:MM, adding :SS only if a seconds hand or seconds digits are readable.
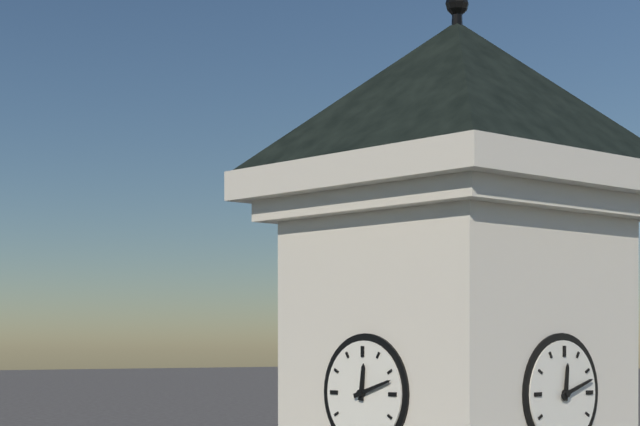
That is 12:12
